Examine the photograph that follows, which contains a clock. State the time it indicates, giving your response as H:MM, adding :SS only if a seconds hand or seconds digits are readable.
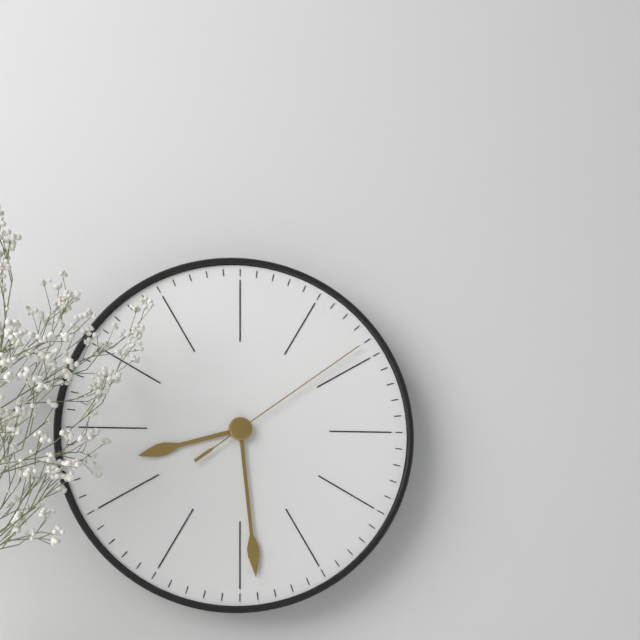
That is 8:29:09
